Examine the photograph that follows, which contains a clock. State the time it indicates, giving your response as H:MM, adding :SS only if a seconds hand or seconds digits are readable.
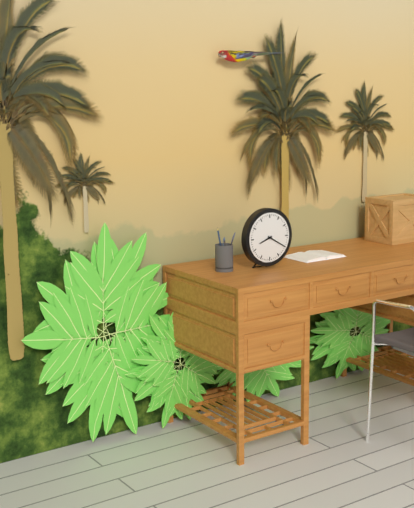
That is 8:20
